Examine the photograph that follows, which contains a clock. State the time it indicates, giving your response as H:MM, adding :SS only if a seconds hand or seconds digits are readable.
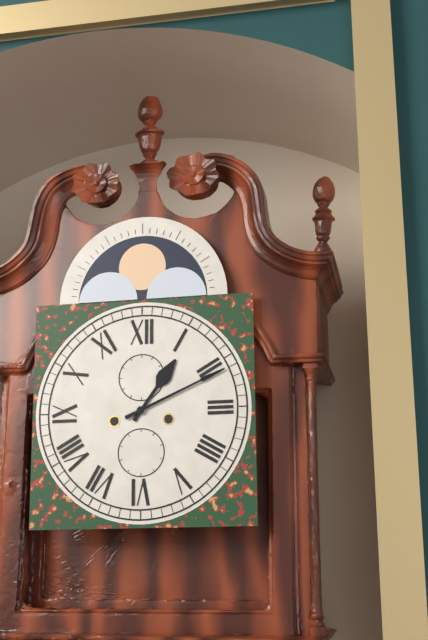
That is 1:11
